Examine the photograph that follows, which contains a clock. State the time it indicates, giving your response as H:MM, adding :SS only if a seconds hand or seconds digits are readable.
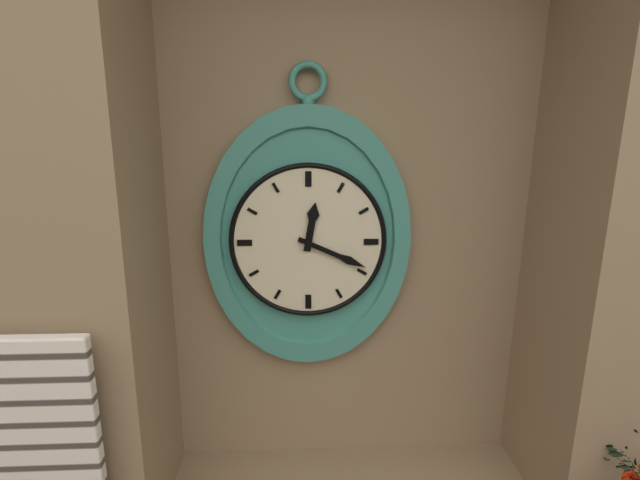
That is 12:19
